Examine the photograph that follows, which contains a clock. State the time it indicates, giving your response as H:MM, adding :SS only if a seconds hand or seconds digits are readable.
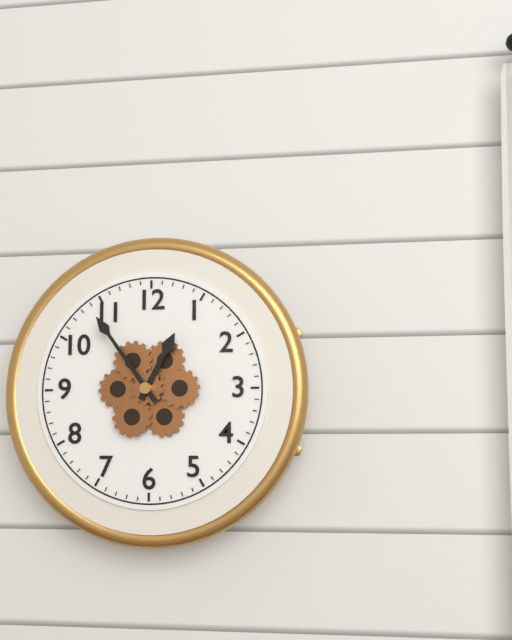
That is 12:54
